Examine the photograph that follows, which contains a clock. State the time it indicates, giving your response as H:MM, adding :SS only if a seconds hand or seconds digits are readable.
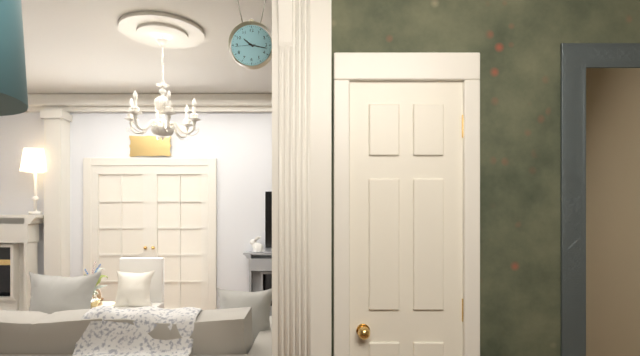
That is 10:17
